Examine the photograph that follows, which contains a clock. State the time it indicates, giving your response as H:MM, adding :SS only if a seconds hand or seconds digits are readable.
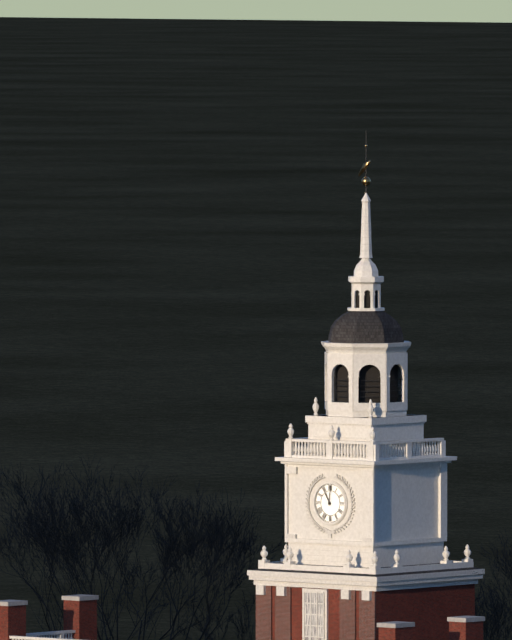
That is 11:01
